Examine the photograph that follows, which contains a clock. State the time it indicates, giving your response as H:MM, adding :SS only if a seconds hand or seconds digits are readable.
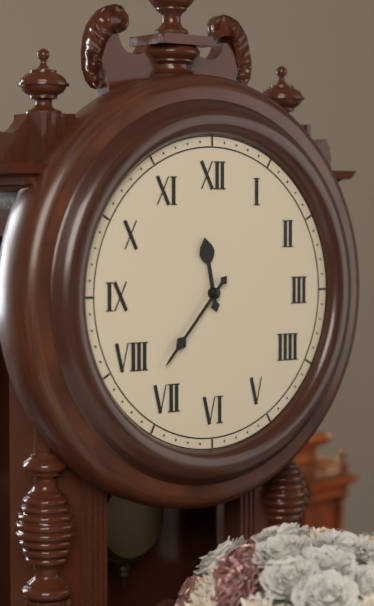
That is 11:37
